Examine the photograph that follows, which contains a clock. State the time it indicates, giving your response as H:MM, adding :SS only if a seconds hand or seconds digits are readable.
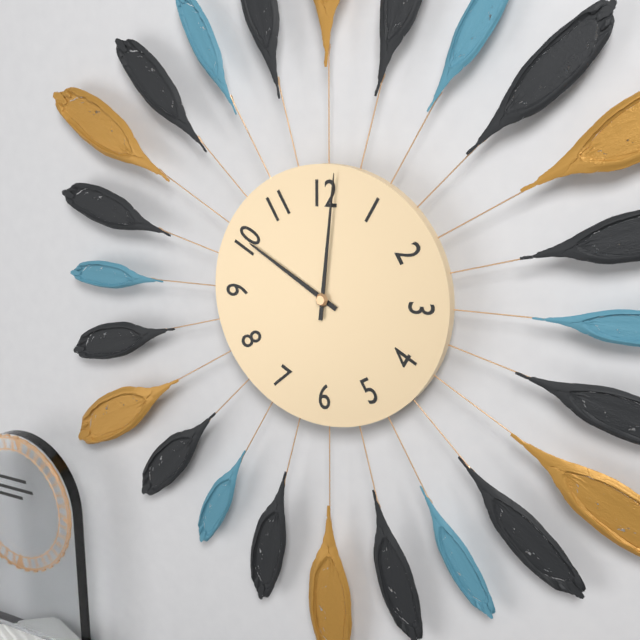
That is 10:01
